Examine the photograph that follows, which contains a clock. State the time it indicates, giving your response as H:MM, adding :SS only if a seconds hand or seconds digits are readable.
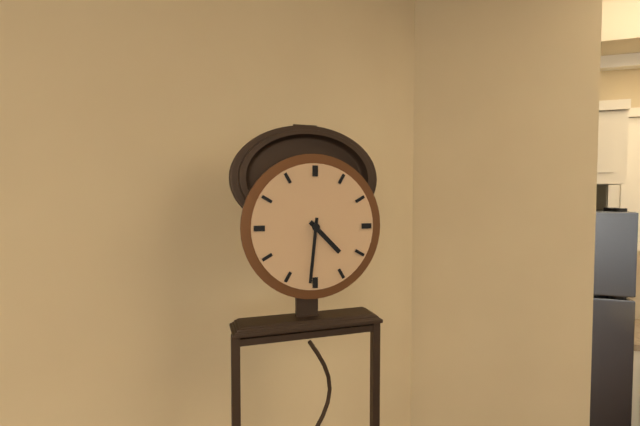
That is 4:31
